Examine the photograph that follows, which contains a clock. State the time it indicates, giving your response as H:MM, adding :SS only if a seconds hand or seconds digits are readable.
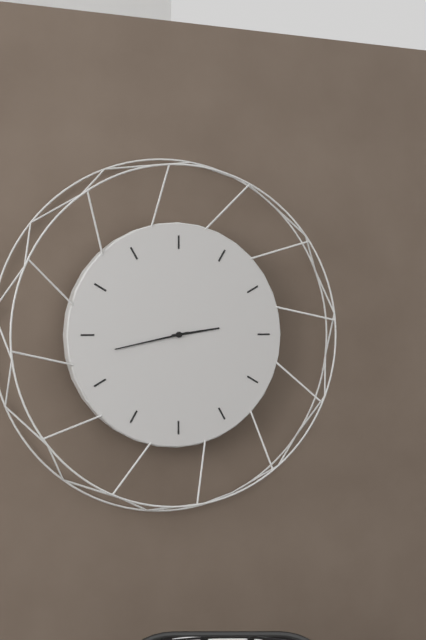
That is 2:43
